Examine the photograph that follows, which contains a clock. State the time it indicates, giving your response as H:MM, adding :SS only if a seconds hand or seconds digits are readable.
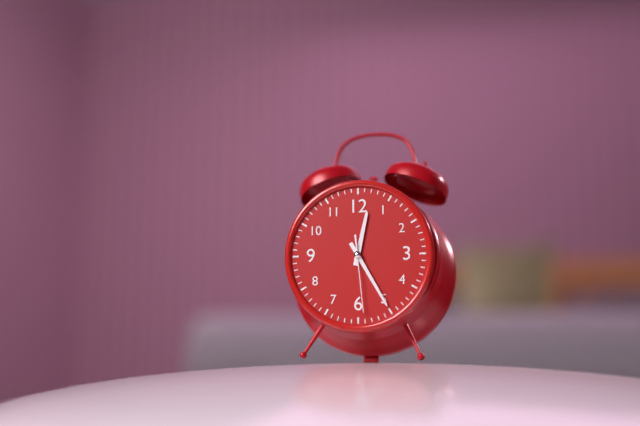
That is 12:25:29
